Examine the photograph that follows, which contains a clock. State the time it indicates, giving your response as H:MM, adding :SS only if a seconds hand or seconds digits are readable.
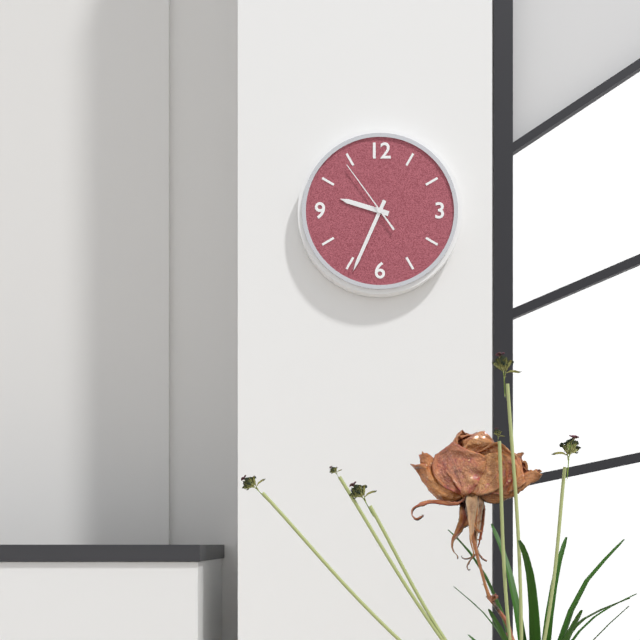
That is 9:34:54
